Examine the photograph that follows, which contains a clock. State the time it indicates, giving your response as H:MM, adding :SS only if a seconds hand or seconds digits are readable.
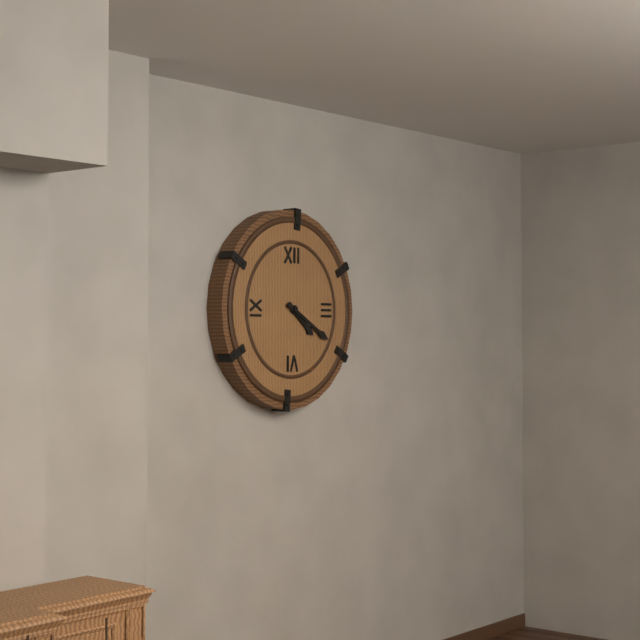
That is 4:20
